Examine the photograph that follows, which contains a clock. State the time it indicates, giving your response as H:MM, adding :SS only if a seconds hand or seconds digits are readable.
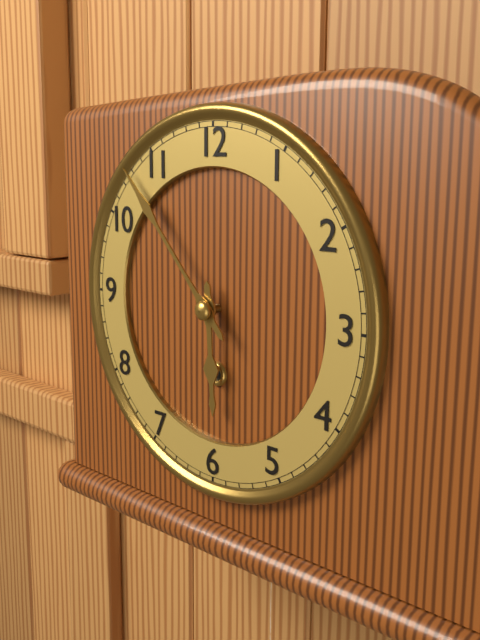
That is 5:53
